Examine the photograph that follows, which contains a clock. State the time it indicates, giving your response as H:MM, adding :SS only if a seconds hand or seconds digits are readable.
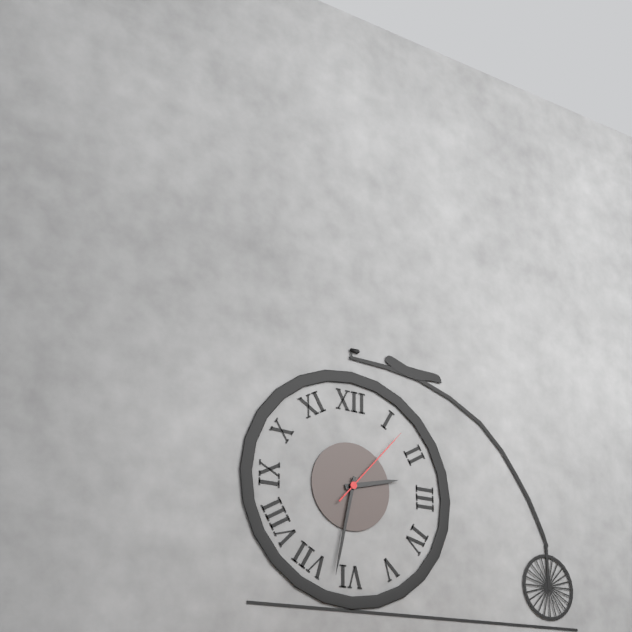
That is 2:32:07
